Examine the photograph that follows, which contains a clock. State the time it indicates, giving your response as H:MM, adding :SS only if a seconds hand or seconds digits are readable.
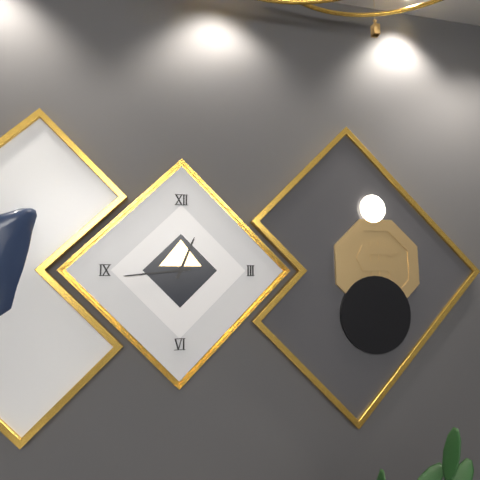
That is 12:44
